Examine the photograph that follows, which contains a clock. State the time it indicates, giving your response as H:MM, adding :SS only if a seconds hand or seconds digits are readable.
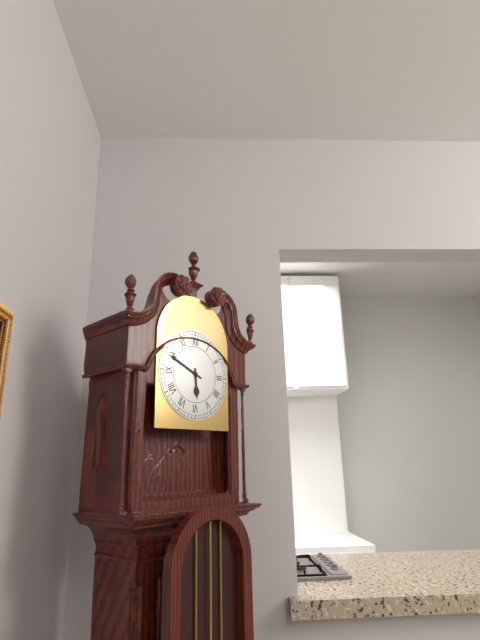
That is 5:49
